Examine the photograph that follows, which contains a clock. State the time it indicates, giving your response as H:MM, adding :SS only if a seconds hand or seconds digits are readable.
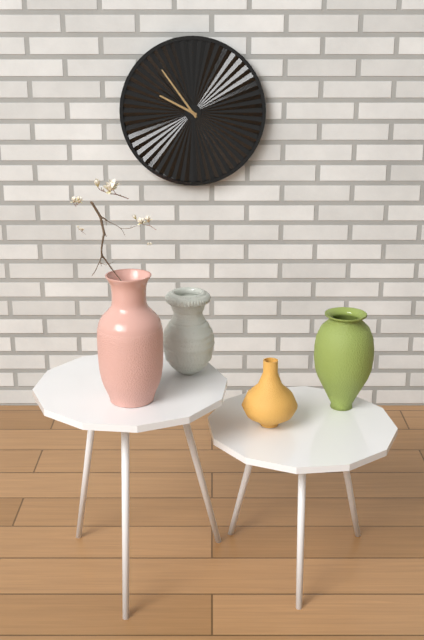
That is 9:54
